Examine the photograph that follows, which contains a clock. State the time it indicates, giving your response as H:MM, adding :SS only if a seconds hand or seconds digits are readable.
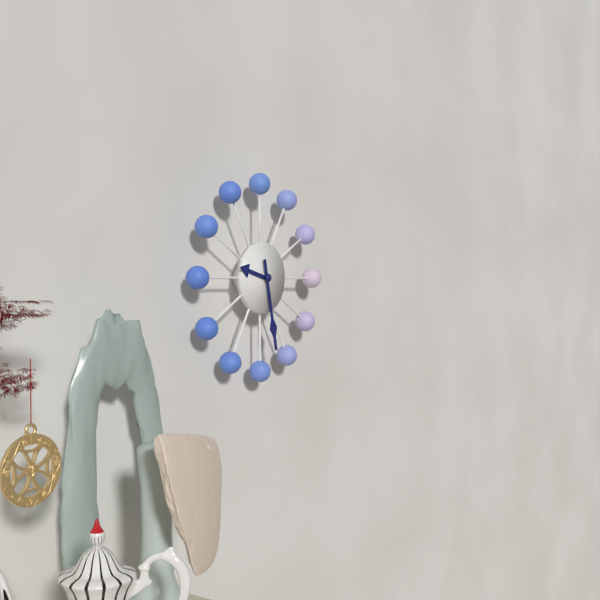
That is 9:28
